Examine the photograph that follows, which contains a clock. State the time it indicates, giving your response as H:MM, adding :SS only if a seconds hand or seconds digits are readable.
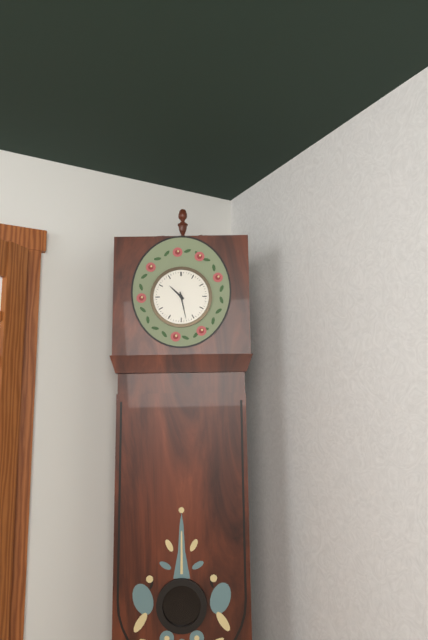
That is 10:28
